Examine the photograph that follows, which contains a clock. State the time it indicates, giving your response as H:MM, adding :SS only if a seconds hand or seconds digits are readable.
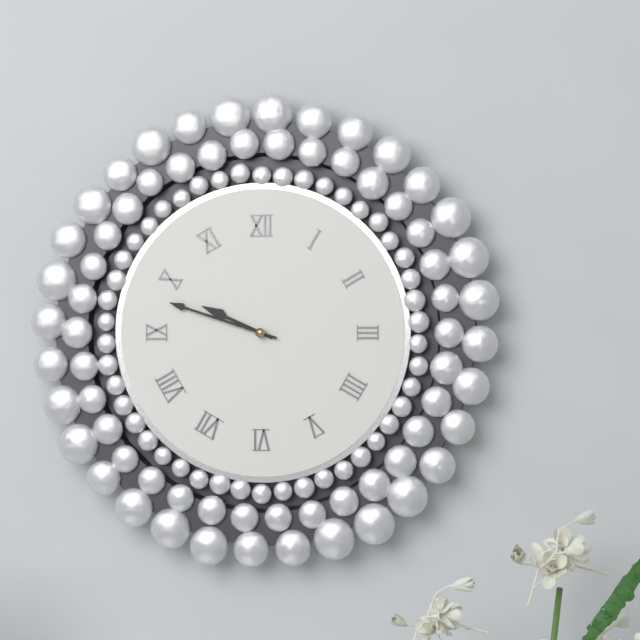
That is 9:48
